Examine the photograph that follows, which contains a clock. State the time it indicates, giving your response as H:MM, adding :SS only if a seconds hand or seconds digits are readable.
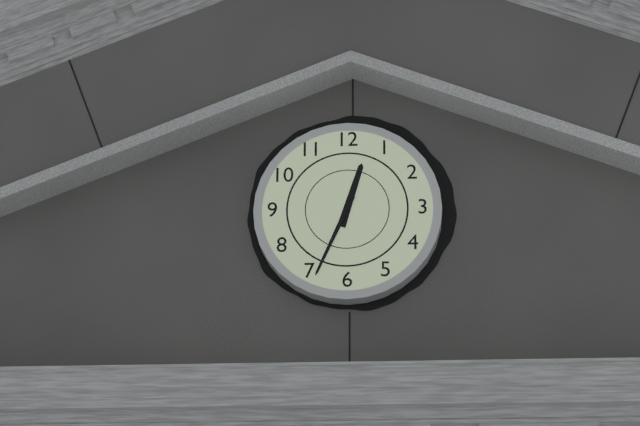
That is 12:34
